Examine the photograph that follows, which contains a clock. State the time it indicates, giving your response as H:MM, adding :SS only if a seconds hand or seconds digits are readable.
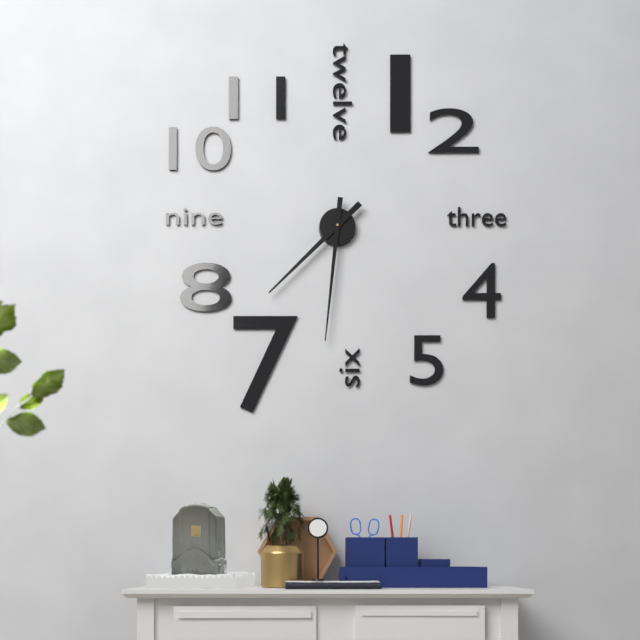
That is 7:31
